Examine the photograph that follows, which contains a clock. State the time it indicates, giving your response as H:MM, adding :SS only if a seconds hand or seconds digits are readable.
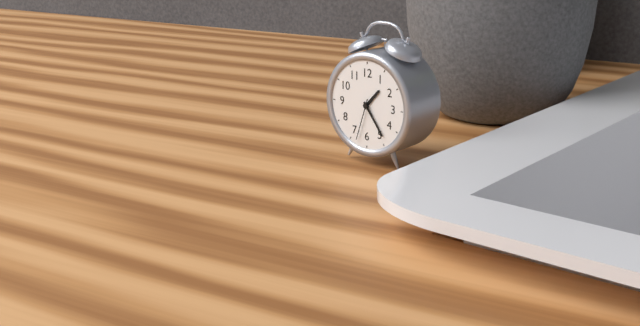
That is 1:24
